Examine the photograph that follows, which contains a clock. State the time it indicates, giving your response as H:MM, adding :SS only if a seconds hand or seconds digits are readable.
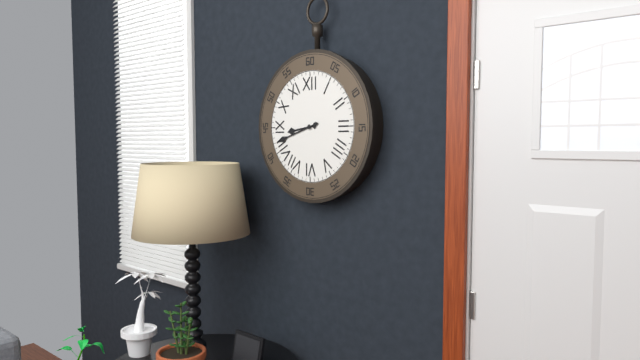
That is 8:42
